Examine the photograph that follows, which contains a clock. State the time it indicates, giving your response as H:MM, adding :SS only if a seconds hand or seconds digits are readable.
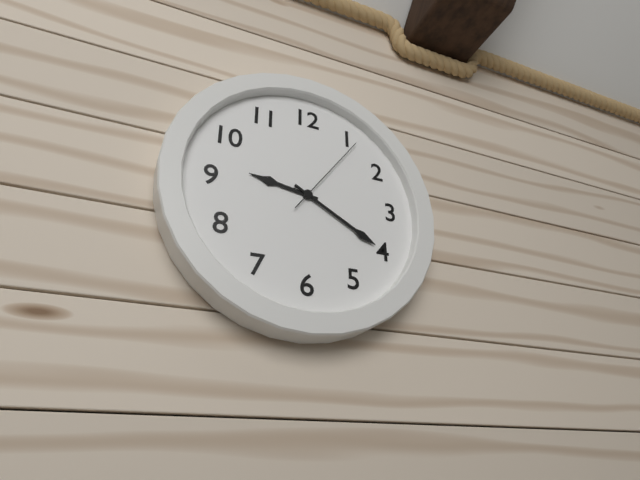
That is 9:20:06
